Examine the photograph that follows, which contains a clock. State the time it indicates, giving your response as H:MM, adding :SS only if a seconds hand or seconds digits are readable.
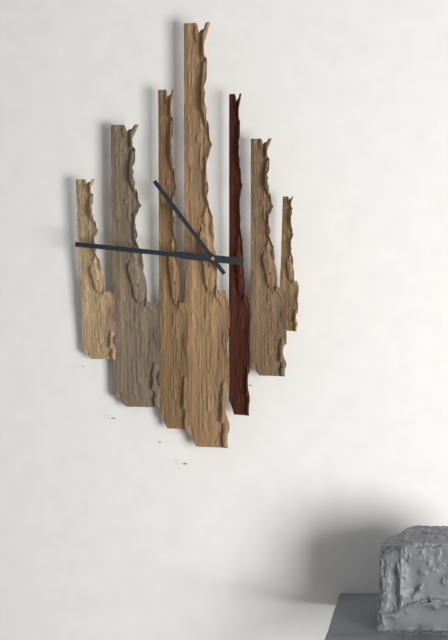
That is 10:46
